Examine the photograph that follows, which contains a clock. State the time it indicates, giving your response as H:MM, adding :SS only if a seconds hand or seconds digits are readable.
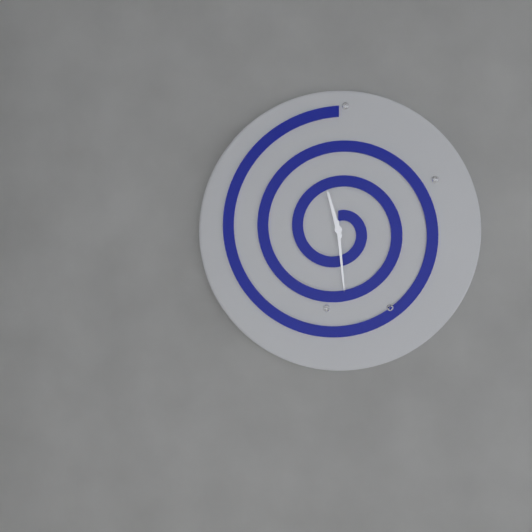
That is 11:29
